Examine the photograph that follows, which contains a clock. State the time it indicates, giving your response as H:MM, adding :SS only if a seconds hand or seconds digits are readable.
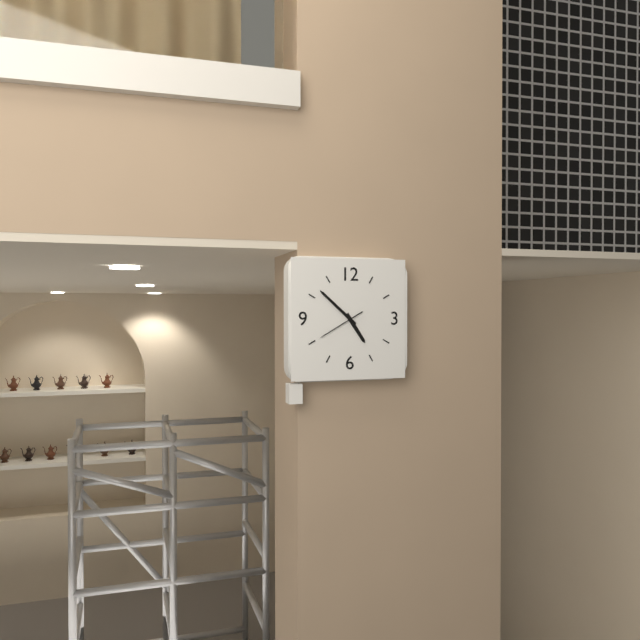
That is 4:52
